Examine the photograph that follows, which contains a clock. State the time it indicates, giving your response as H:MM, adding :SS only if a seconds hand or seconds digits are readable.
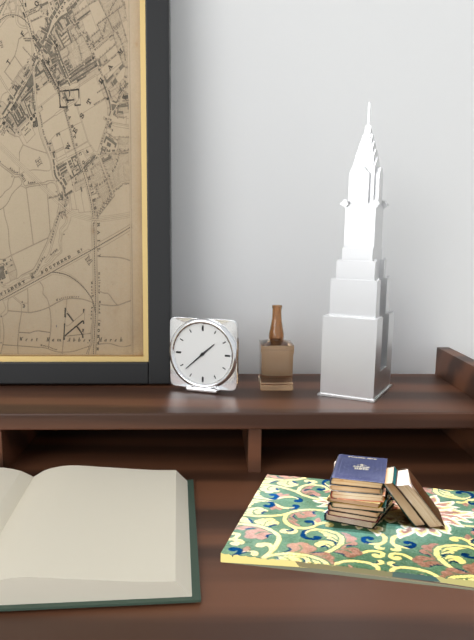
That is 1:38
